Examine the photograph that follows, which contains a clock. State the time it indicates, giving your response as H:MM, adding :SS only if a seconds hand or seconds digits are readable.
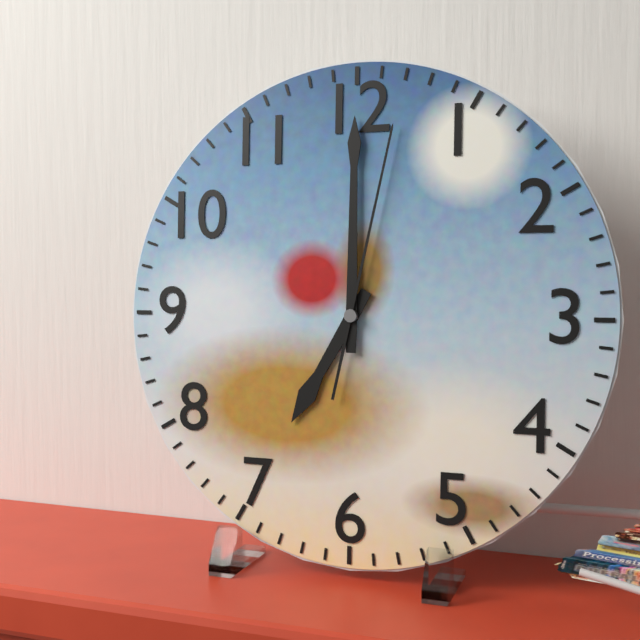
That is 7:00:02
